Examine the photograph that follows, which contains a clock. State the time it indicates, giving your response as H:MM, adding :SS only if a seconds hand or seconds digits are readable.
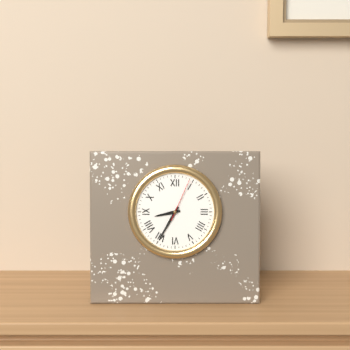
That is 8:35
